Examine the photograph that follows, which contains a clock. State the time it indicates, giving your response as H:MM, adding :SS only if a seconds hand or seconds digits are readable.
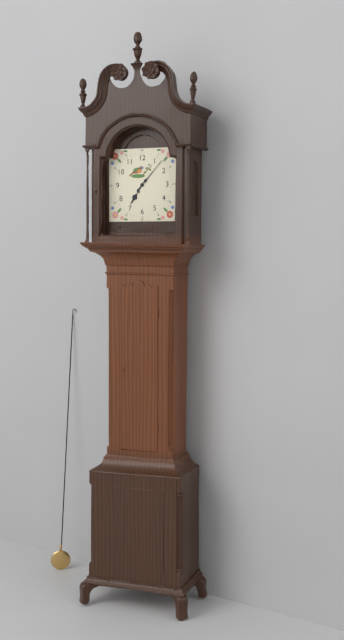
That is 7:07
